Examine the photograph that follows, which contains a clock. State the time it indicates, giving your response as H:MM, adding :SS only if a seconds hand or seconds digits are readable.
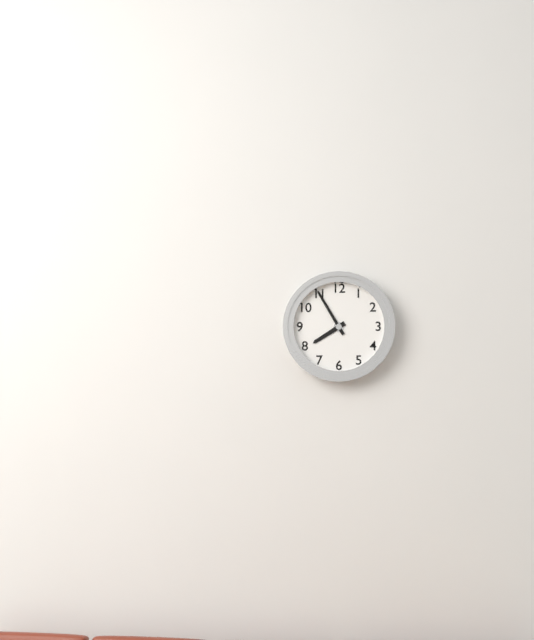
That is 7:55
